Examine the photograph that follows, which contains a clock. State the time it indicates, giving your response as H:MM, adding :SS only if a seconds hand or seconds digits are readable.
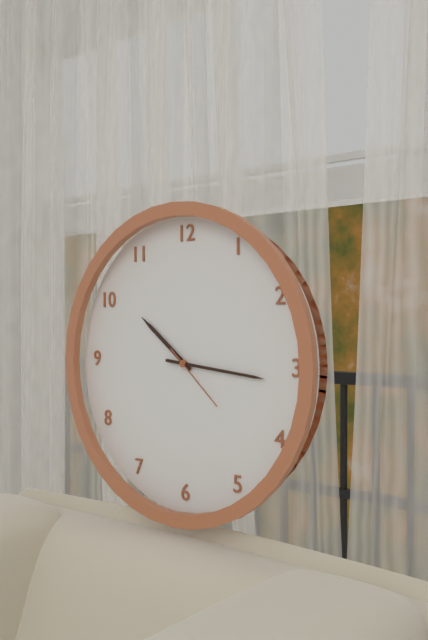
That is 10:16:22
